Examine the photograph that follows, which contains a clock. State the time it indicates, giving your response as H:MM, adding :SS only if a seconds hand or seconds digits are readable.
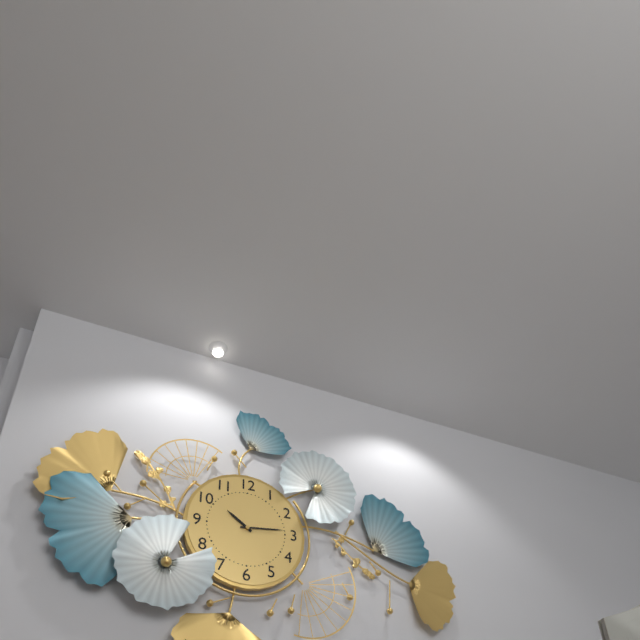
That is 10:14
